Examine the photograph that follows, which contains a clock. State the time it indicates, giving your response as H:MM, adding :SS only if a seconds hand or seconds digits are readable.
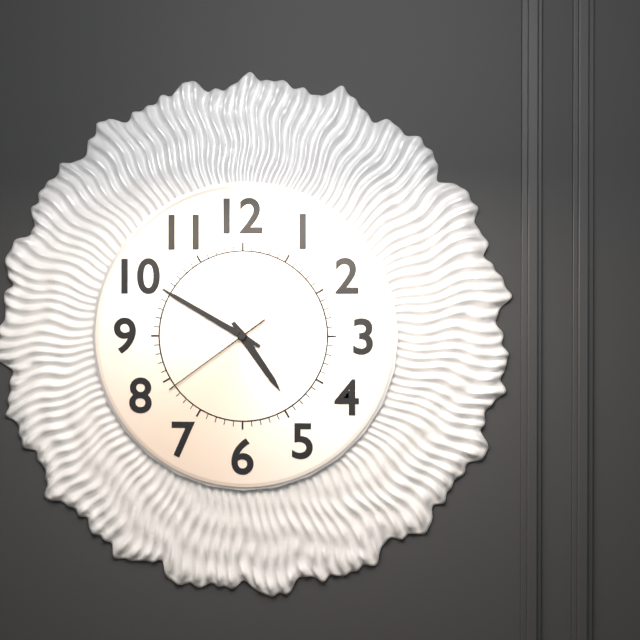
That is 4:50:39
